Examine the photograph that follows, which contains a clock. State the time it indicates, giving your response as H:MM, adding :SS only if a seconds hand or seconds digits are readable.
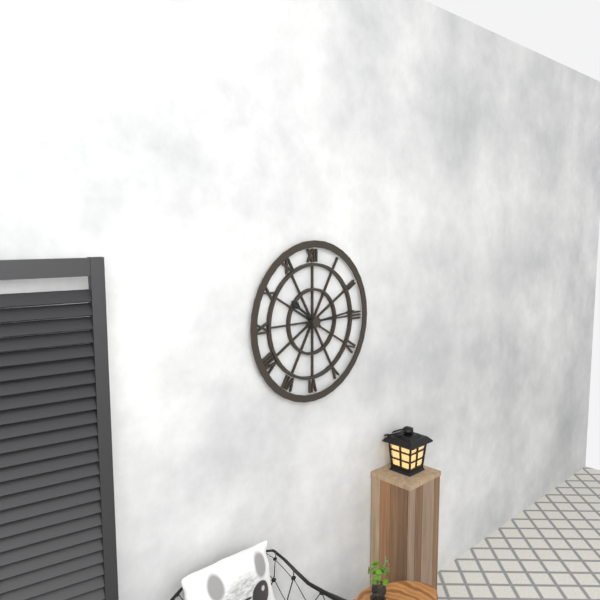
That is 10:14
